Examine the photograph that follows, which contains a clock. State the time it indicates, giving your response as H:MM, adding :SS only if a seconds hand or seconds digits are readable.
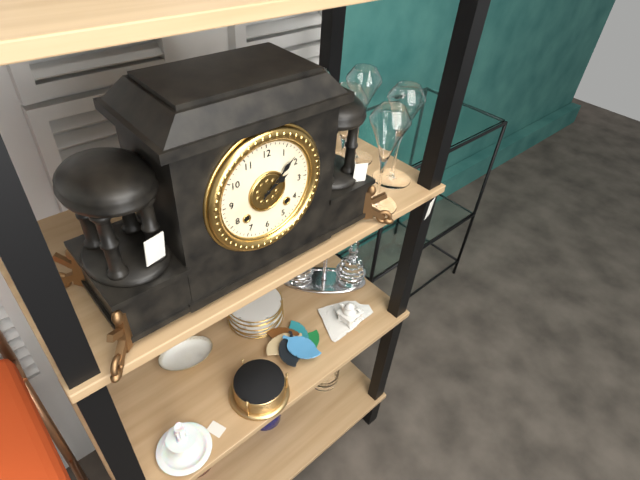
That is 2:08
